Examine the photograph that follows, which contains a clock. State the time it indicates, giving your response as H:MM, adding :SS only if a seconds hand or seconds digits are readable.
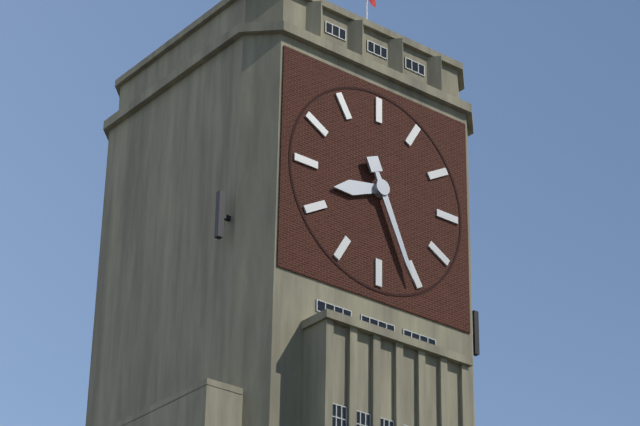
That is 8:26
